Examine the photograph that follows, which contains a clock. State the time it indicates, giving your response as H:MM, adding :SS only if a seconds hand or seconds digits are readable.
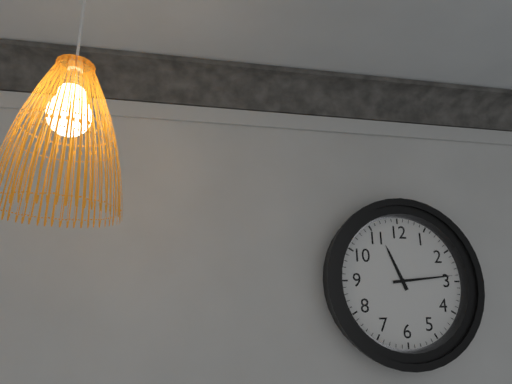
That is 11:14
